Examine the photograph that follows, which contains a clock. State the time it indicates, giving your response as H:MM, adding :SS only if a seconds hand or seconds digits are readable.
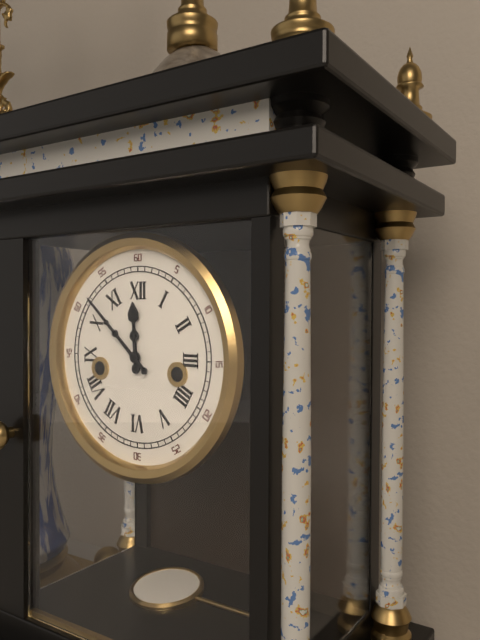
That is 11:52
